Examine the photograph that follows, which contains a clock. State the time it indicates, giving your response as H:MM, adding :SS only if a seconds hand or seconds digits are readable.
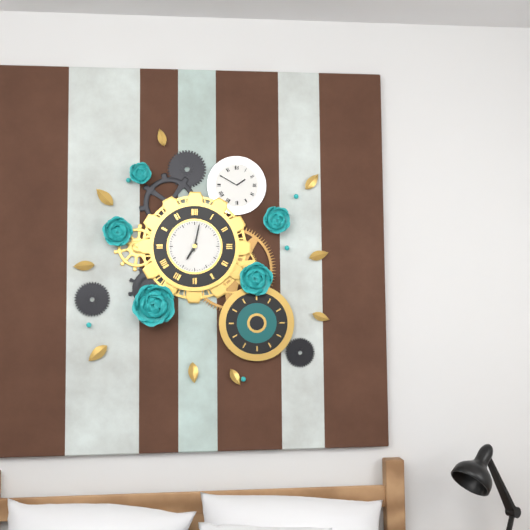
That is 7:02
